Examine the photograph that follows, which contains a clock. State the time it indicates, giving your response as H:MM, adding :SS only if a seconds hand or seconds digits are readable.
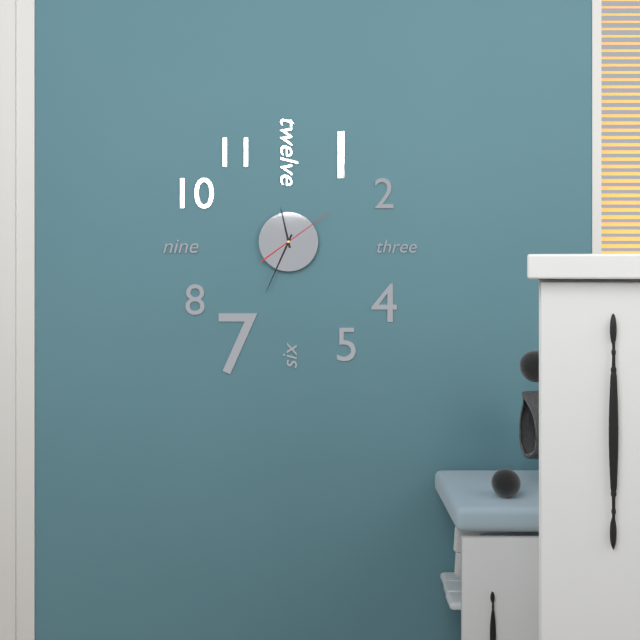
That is 11:34:09
